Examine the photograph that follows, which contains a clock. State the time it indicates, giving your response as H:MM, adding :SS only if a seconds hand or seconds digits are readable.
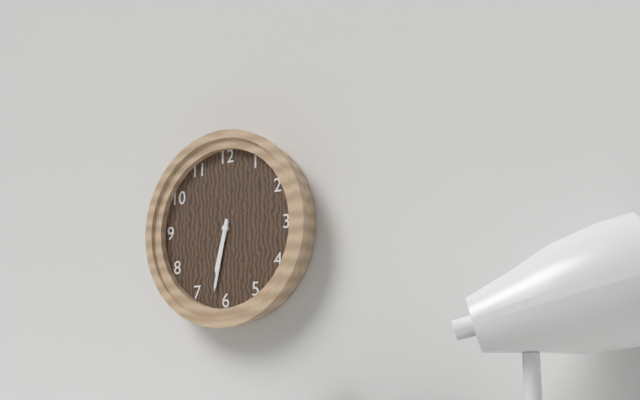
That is 6:32
